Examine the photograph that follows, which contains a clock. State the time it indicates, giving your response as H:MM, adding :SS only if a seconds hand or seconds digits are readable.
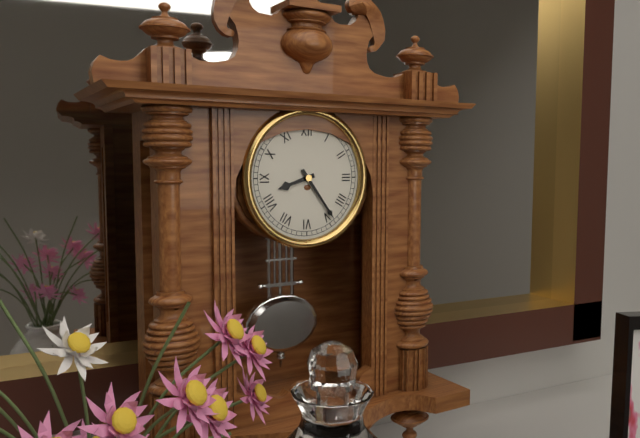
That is 8:24
